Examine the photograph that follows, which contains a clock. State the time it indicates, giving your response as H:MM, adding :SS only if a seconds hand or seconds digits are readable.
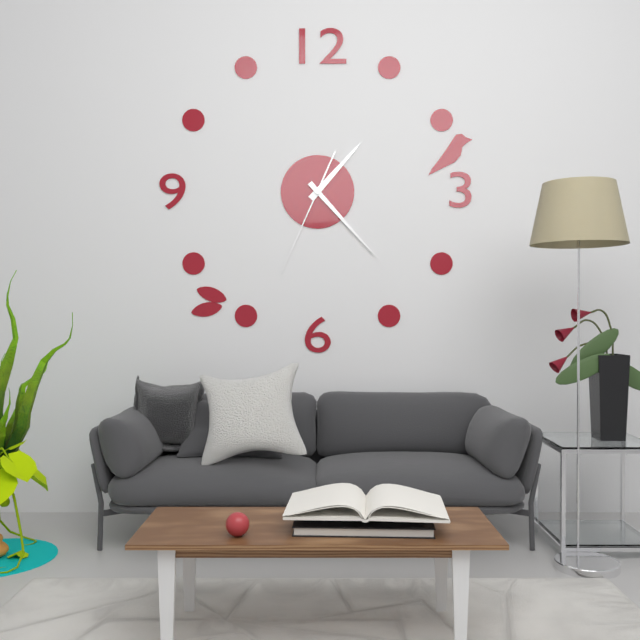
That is 1:23:34
